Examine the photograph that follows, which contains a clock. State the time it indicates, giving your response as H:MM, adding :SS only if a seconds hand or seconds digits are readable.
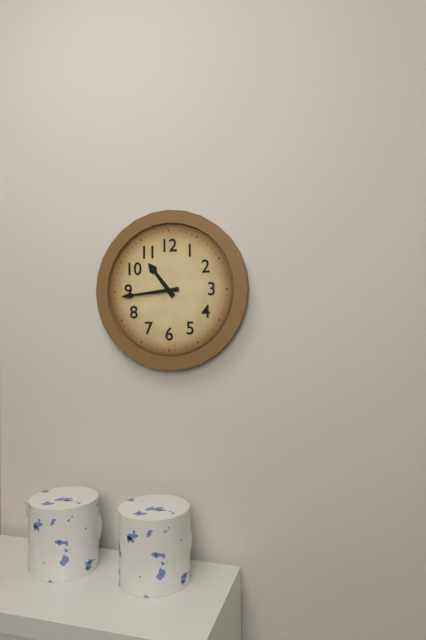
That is 10:44
